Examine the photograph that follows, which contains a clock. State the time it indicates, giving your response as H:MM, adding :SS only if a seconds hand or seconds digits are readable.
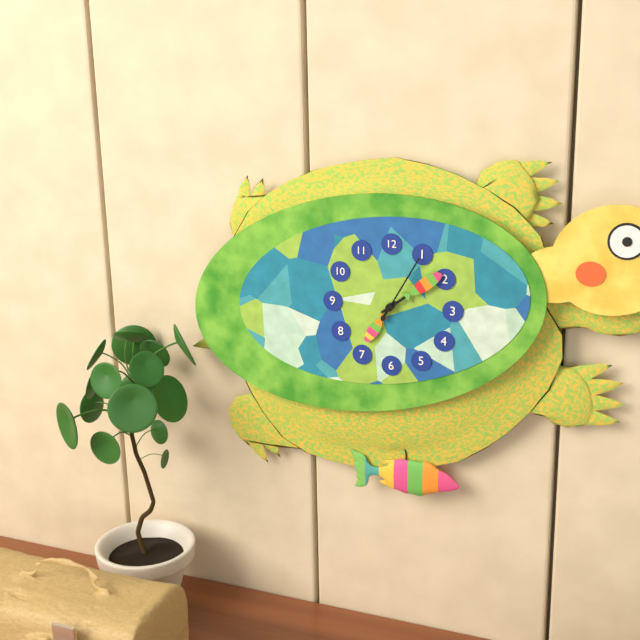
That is 7:09:05
